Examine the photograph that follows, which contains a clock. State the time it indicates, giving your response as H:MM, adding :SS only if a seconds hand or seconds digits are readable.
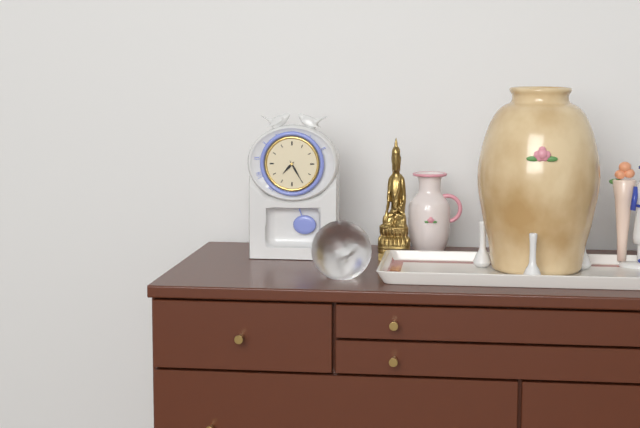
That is 7:25
